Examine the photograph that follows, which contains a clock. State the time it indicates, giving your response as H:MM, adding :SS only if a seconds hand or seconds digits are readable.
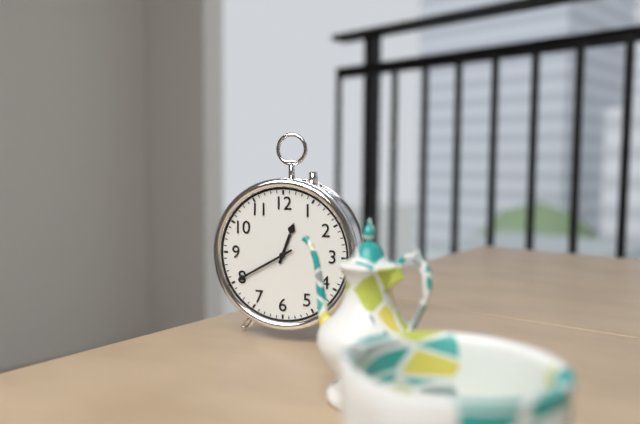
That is 12:40
